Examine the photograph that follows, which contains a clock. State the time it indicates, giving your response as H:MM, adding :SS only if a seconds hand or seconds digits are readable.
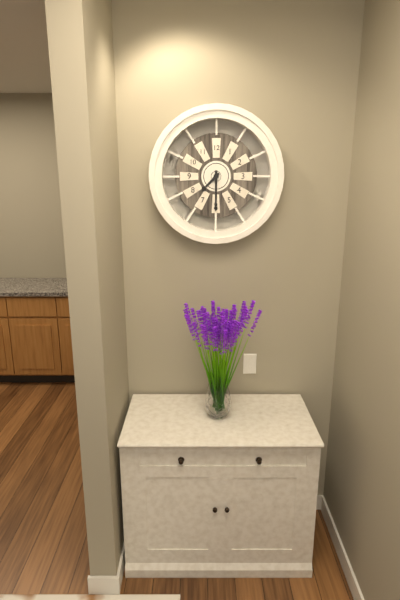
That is 7:30
